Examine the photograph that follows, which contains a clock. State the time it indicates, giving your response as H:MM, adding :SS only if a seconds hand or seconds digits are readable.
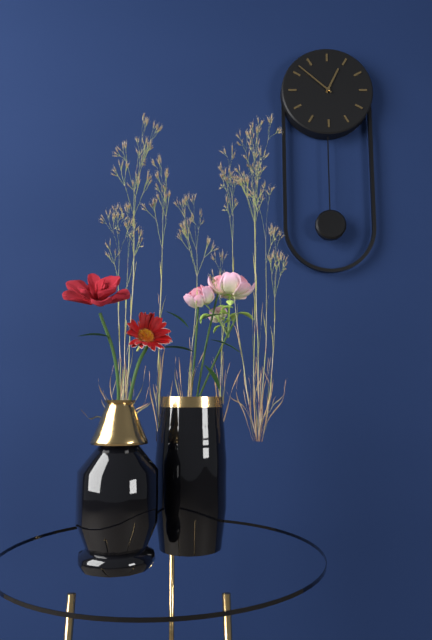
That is 12:52
